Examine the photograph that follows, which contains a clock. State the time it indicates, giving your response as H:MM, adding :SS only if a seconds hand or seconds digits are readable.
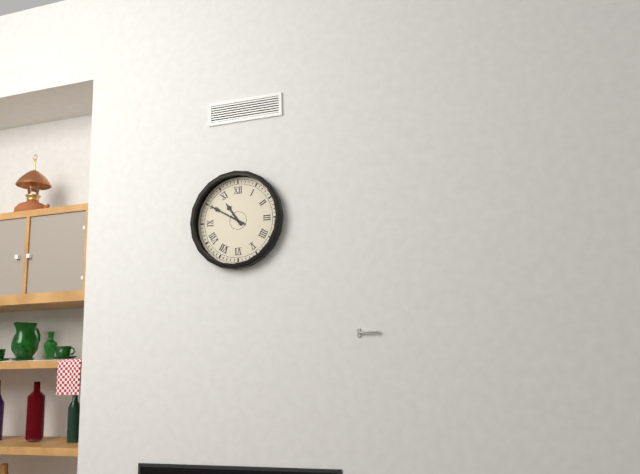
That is 10:50
